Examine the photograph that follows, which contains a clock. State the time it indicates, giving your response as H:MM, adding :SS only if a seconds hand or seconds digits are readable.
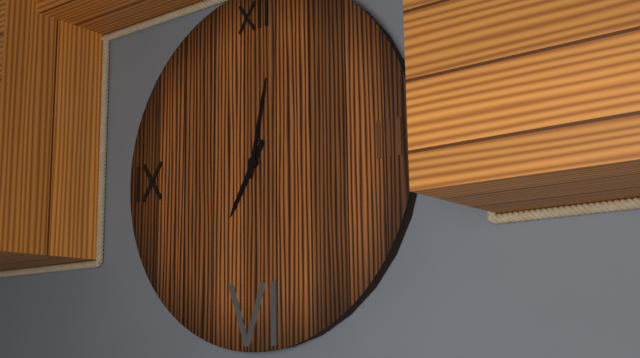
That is 7:02
